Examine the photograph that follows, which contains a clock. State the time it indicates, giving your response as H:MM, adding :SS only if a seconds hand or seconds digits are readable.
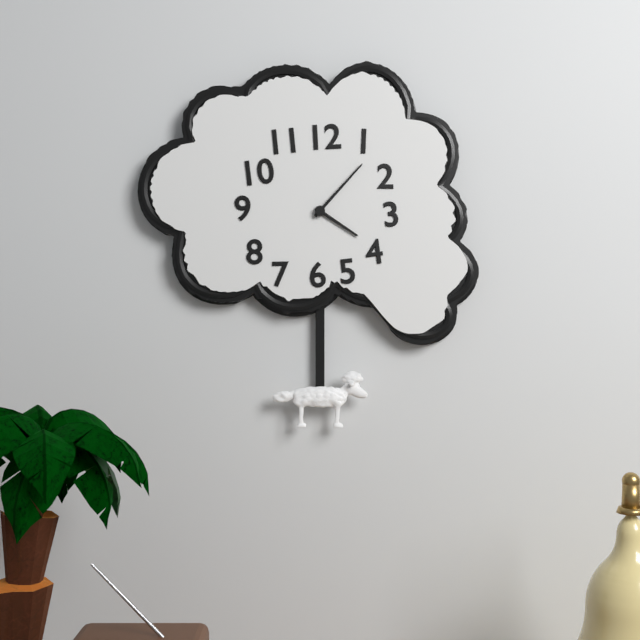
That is 4:07
